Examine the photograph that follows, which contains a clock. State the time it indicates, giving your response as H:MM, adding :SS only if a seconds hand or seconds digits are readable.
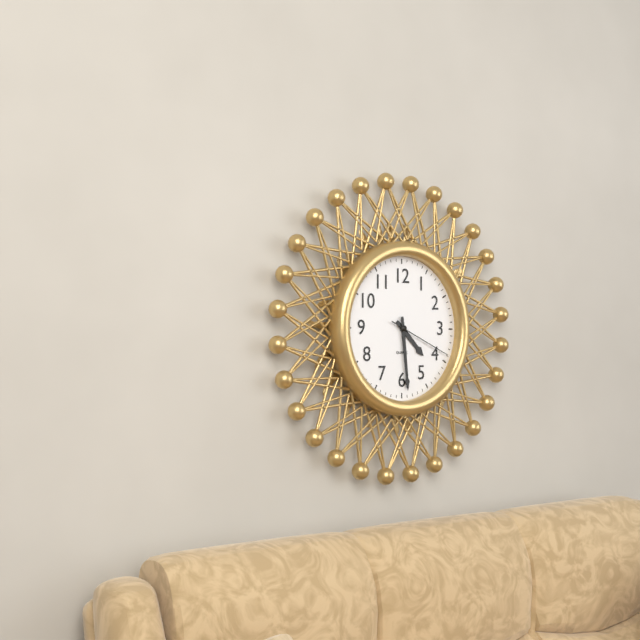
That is 4:29:19
